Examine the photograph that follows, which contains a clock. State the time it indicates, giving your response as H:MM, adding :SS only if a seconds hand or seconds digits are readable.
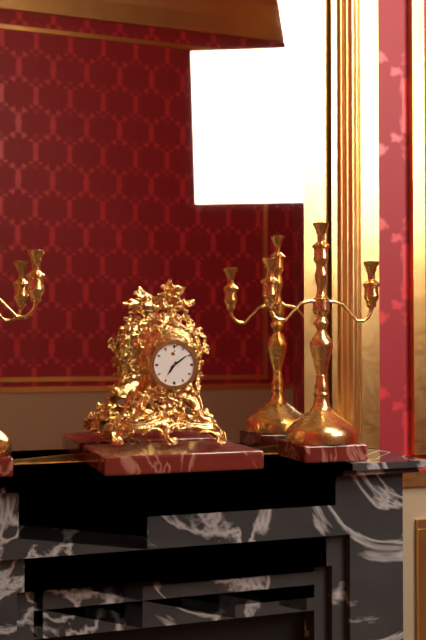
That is 7:09
